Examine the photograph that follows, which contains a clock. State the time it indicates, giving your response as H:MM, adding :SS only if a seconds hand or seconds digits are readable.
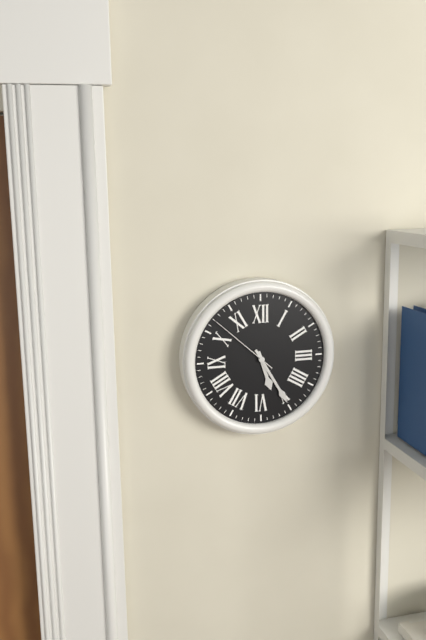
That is 5:25:52
